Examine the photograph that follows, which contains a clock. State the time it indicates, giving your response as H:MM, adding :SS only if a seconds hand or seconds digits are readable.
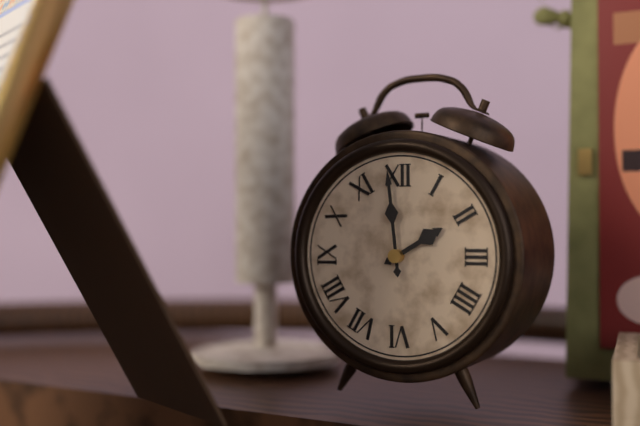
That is 1:59
